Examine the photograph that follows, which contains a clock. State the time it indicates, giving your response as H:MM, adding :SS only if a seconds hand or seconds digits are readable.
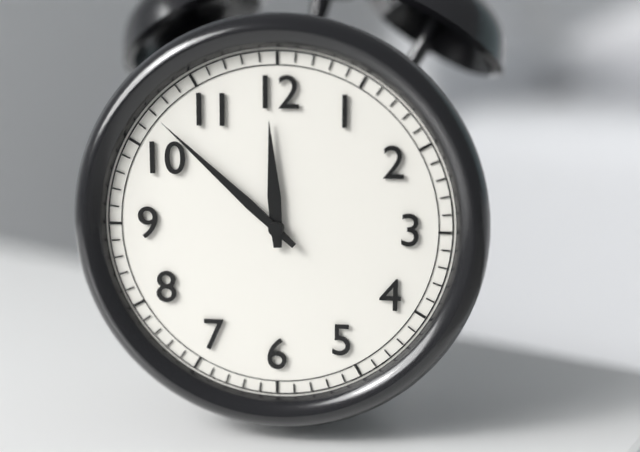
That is 11:52
